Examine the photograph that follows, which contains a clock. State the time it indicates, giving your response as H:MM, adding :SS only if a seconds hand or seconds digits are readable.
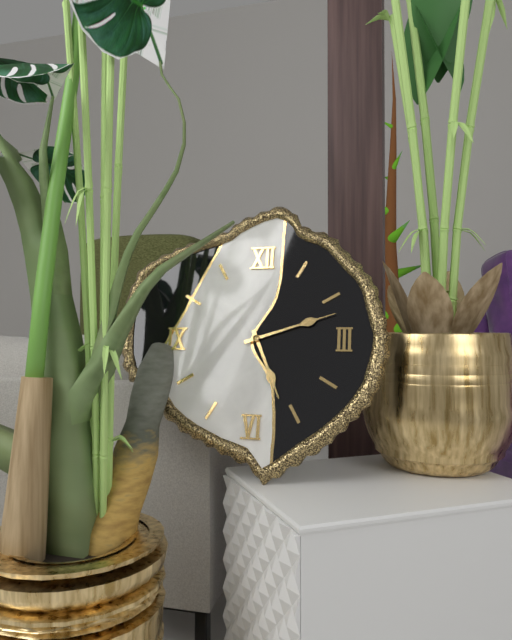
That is 5:12
